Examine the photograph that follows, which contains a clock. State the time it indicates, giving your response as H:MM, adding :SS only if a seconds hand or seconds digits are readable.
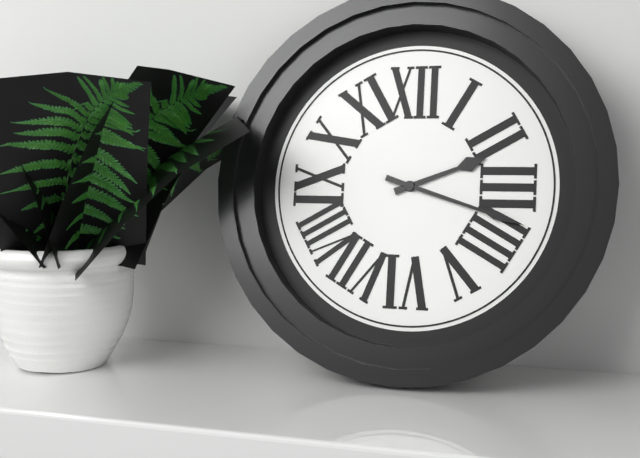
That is 2:18
